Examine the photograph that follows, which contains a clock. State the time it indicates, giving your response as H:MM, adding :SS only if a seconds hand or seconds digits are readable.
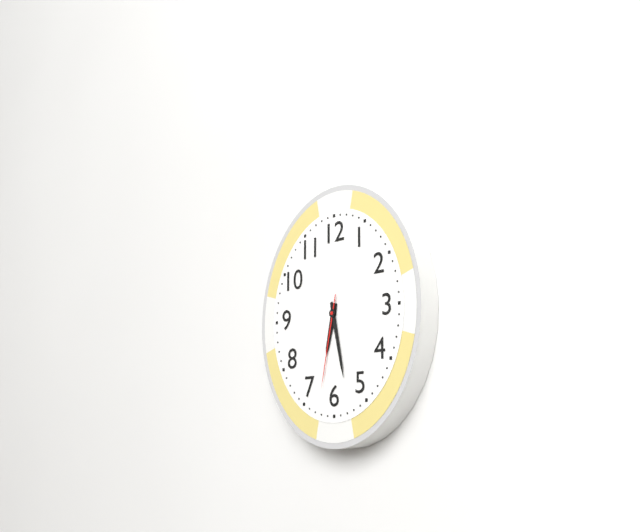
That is 6:28:32
